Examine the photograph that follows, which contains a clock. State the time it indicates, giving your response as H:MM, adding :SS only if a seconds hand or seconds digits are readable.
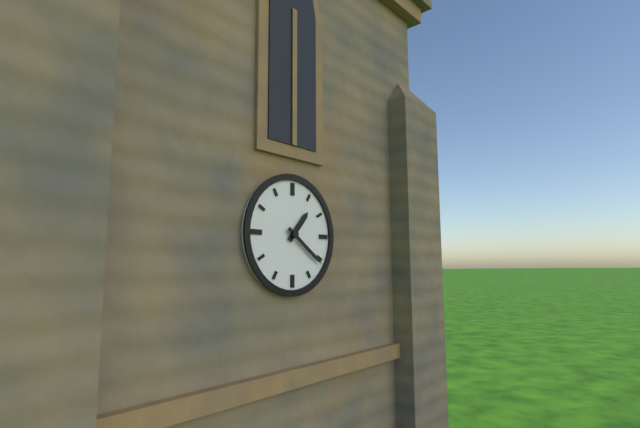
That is 1:21
